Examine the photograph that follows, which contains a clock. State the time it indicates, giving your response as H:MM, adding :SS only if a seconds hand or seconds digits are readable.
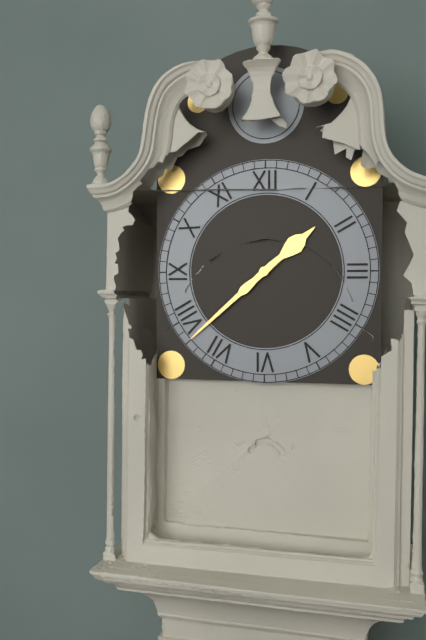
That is 1:38
